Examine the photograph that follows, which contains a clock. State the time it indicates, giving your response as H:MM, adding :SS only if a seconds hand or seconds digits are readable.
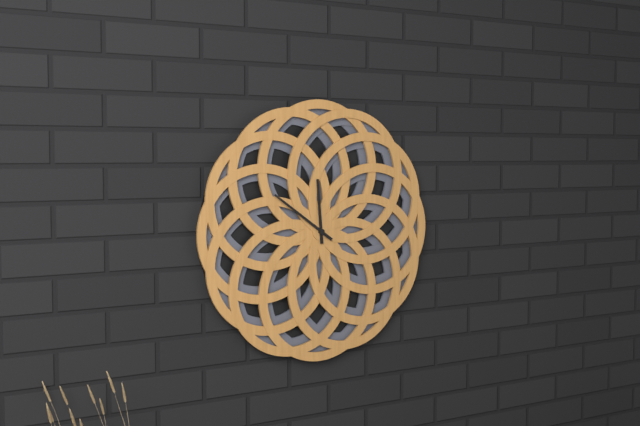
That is 11:51
